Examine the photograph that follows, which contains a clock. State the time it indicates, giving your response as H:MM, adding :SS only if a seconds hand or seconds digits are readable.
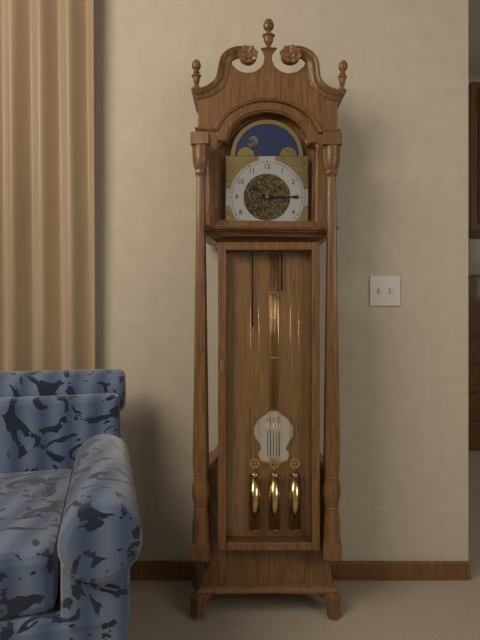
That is 10:15
